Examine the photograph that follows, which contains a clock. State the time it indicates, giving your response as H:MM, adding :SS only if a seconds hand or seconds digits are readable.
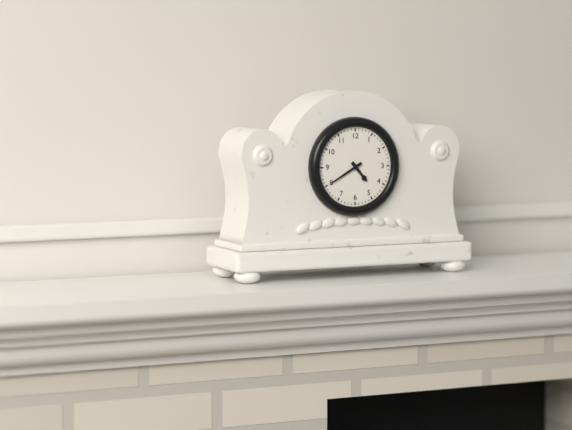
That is 4:40
